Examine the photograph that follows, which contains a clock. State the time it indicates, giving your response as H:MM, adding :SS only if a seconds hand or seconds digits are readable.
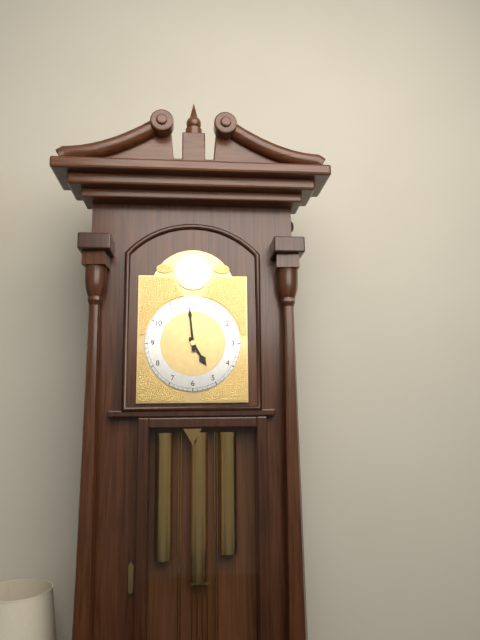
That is 4:59
